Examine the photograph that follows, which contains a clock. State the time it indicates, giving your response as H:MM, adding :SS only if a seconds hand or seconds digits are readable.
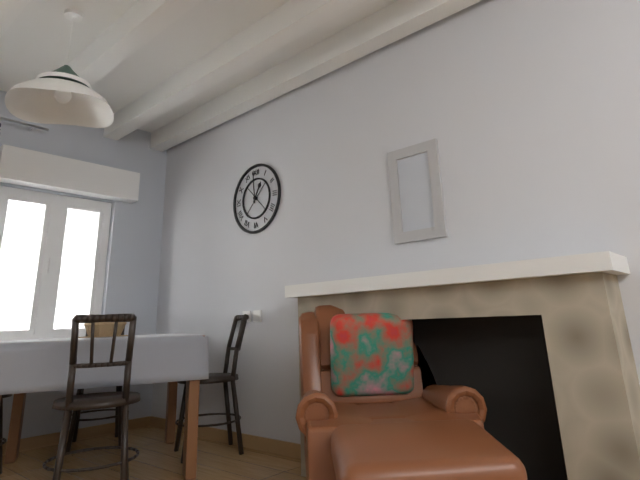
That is 12:59
